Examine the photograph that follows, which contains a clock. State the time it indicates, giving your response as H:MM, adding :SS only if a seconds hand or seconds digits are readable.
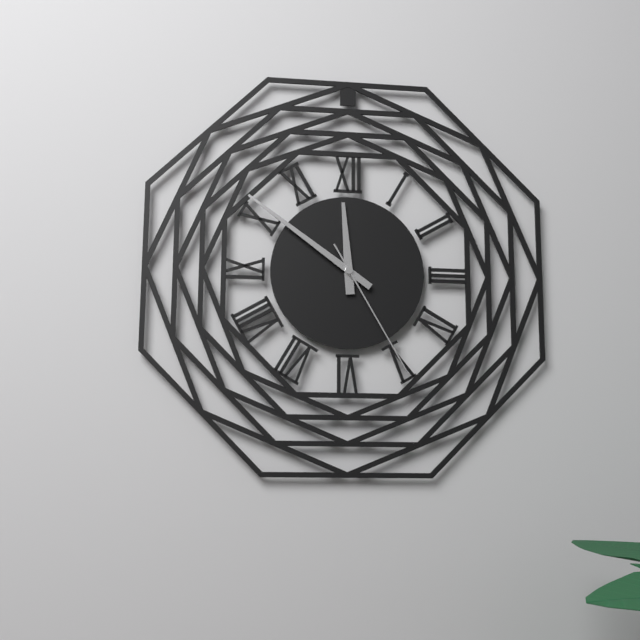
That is 11:51:25
